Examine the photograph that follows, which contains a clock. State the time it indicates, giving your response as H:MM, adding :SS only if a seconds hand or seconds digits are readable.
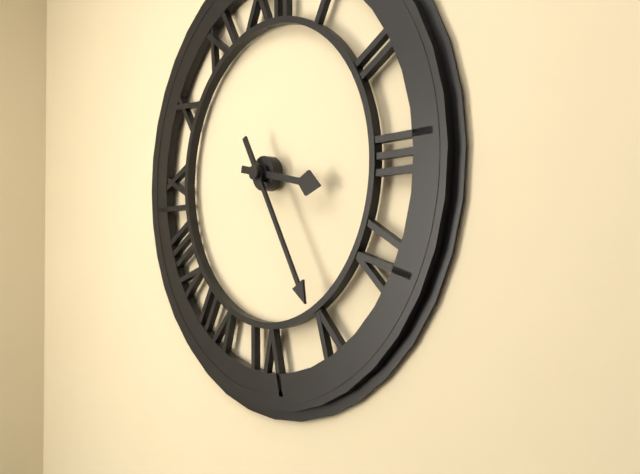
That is 3:25
